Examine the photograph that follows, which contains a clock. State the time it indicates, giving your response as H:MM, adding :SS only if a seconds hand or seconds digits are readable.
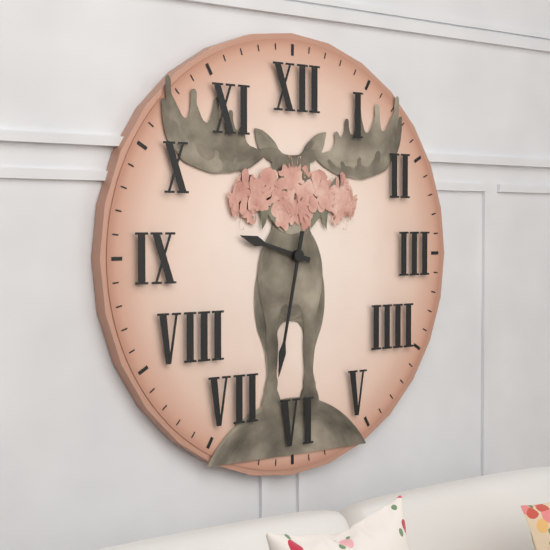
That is 9:32
